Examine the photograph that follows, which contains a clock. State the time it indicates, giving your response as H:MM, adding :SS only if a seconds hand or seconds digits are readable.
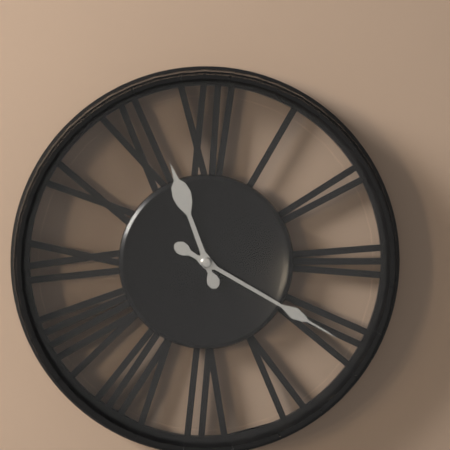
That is 11:20
